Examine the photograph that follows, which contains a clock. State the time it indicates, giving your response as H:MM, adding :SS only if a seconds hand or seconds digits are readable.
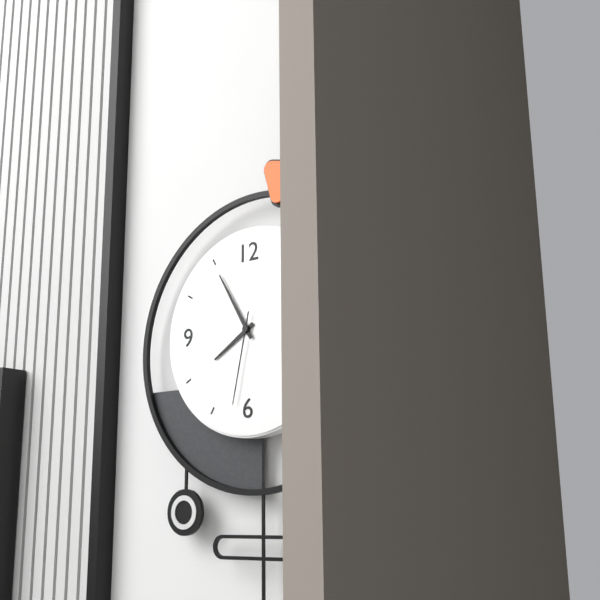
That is 7:55:32
